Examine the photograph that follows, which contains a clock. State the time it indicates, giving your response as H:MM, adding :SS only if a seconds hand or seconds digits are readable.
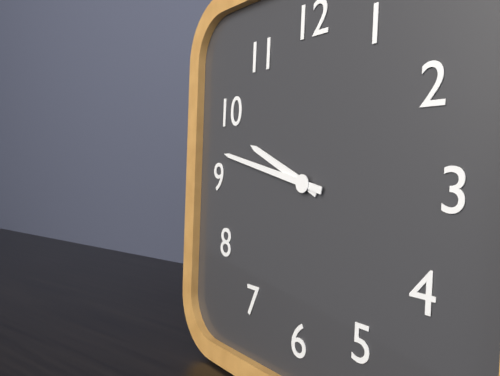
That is 9:47
